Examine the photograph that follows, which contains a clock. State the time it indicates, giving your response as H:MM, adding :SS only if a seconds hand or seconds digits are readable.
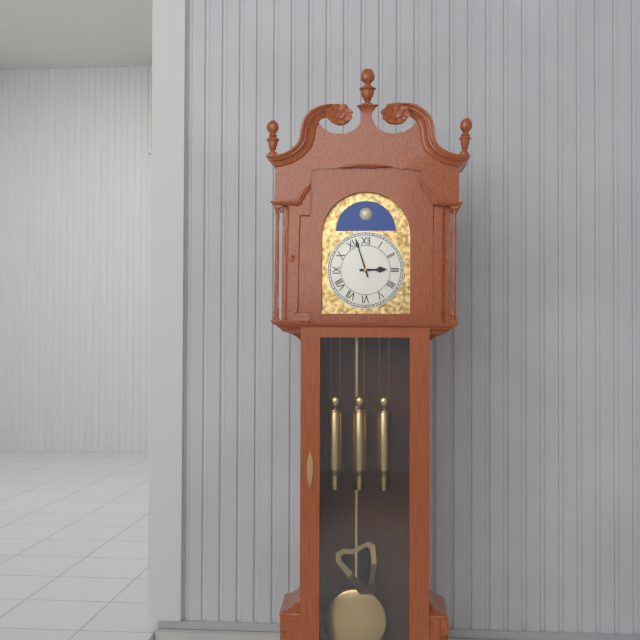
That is 2:57
